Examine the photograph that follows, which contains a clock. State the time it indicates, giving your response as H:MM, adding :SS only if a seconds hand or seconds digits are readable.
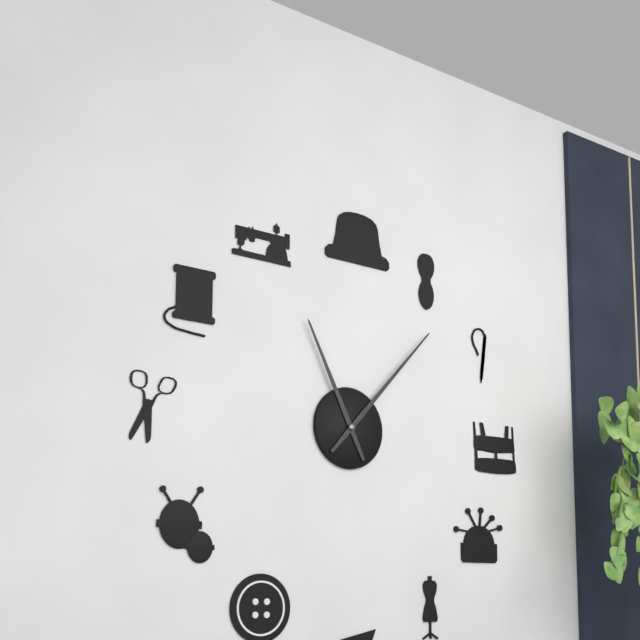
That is 11:07
